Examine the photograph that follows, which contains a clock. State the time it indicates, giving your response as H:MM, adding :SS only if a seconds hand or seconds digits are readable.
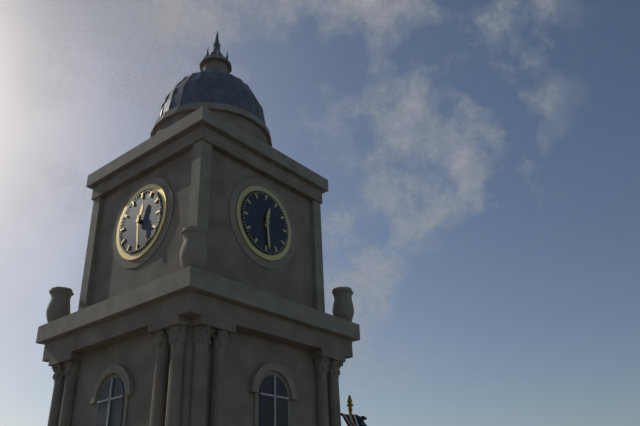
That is 12:29
